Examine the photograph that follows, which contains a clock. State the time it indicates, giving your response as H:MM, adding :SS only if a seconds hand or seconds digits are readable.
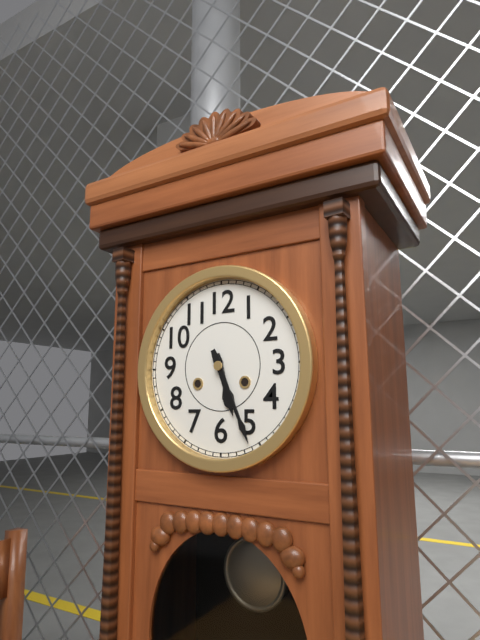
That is 5:26
